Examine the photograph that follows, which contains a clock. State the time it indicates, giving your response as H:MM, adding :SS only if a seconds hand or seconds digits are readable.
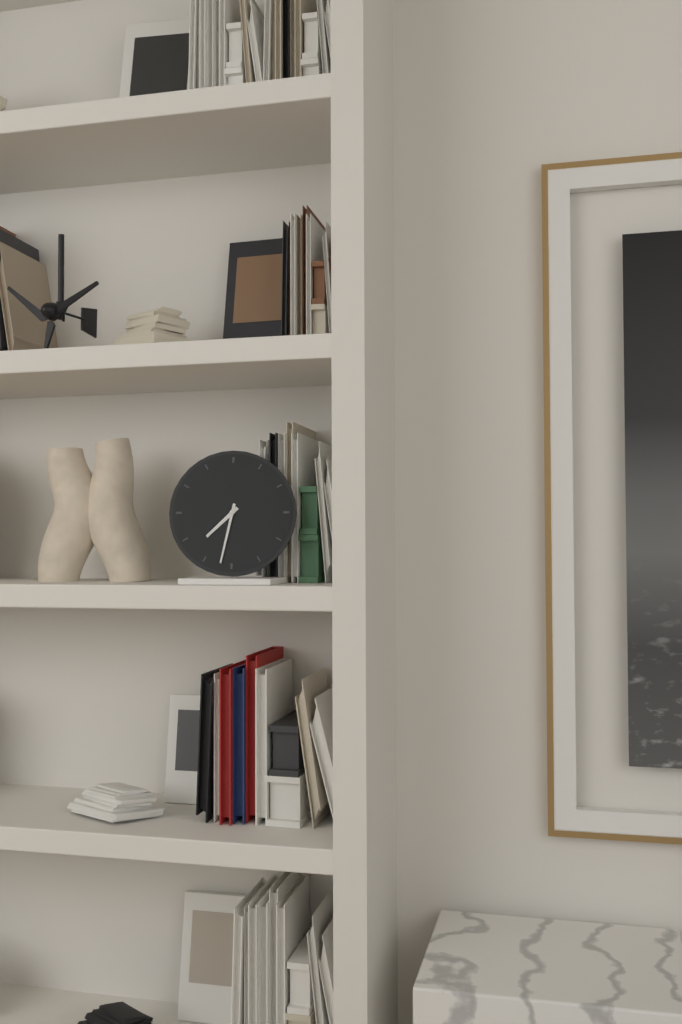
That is 7:32
